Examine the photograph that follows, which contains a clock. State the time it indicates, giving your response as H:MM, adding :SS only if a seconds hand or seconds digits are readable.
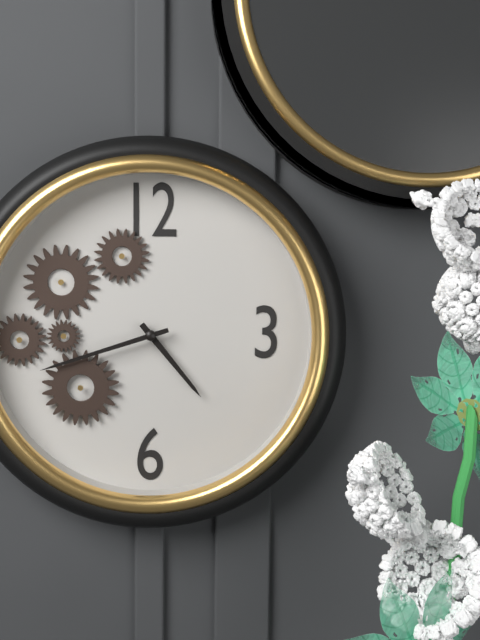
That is 4:42
